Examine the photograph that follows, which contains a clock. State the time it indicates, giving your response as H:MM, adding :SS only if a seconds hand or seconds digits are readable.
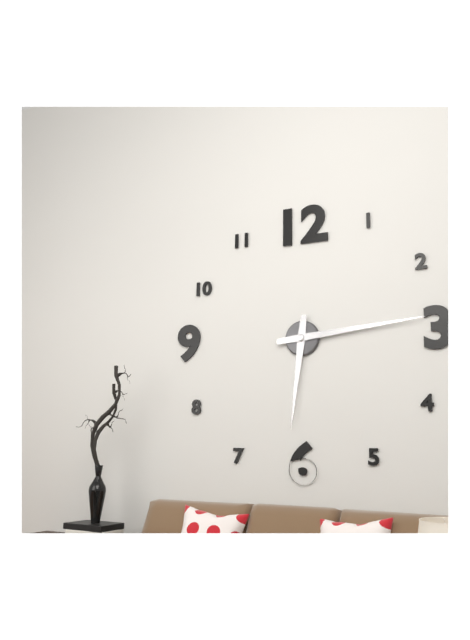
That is 6:14
